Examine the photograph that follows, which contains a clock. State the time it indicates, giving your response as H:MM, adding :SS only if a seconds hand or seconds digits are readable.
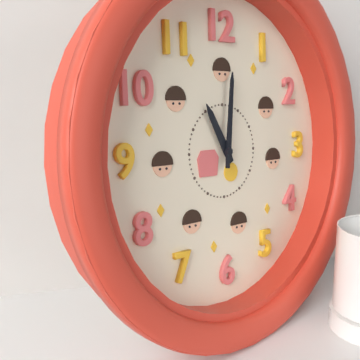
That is 11:01
